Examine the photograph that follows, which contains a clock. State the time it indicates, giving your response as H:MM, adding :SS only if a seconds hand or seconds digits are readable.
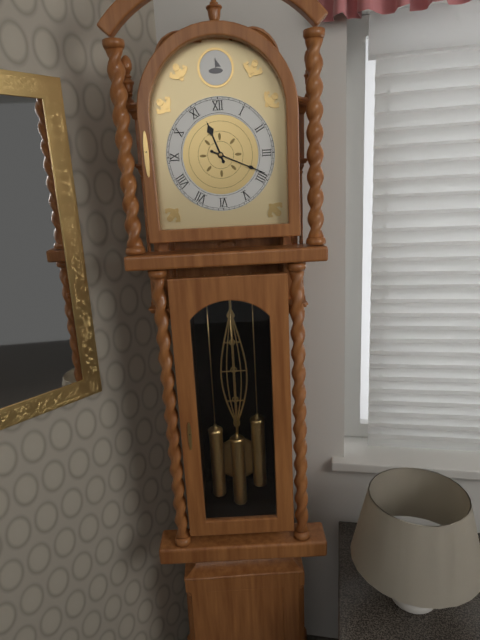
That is 11:19
